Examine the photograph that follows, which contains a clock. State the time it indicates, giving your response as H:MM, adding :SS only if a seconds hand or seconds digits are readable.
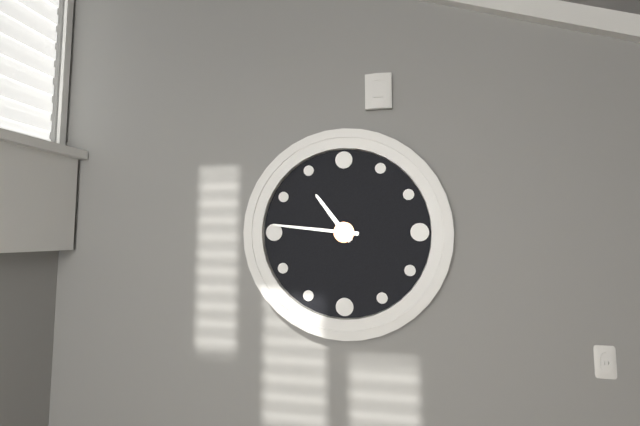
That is 10:46
